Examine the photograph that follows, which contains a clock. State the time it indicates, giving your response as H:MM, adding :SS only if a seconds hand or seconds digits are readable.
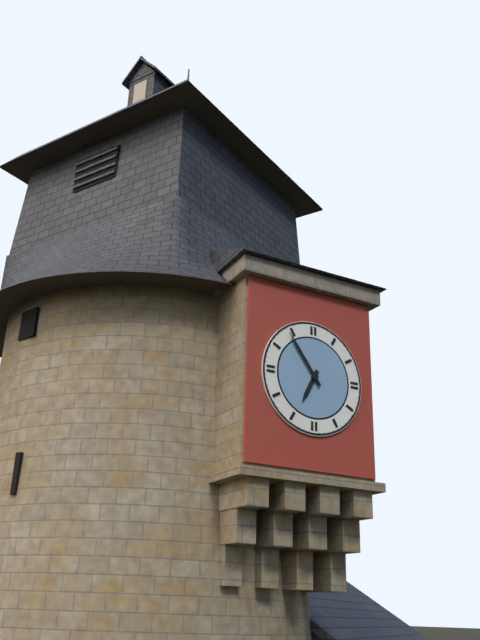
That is 6:54
